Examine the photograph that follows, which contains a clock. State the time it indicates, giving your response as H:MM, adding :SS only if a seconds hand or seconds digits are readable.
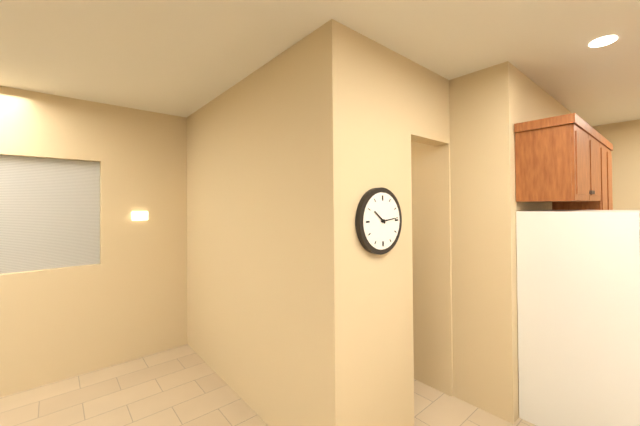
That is 10:14
